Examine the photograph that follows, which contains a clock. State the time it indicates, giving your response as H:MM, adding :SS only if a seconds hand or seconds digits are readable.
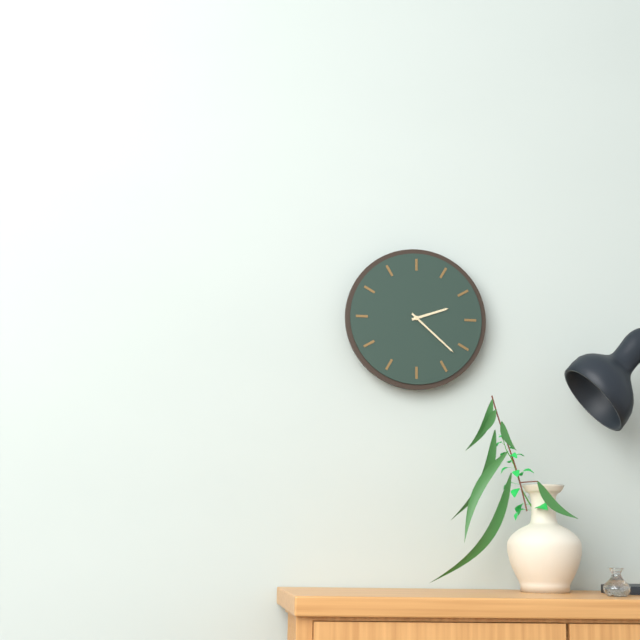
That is 2:22
